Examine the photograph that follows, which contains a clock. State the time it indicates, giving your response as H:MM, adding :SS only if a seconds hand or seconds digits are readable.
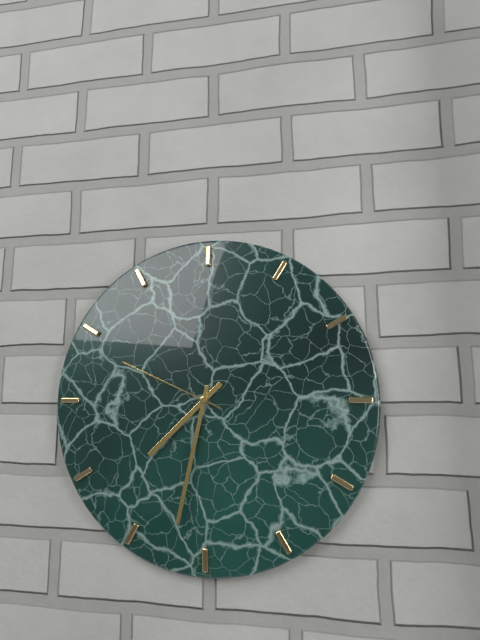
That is 7:32:49
